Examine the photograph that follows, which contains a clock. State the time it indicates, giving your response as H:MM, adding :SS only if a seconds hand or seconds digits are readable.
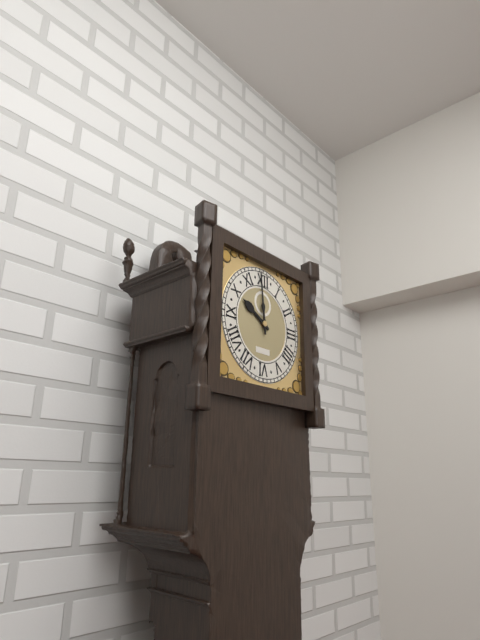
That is 9:59
